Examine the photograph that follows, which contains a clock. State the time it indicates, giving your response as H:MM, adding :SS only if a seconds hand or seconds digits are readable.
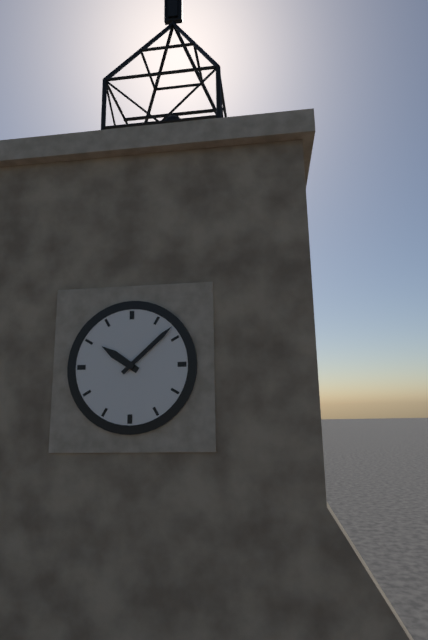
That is 10:08
